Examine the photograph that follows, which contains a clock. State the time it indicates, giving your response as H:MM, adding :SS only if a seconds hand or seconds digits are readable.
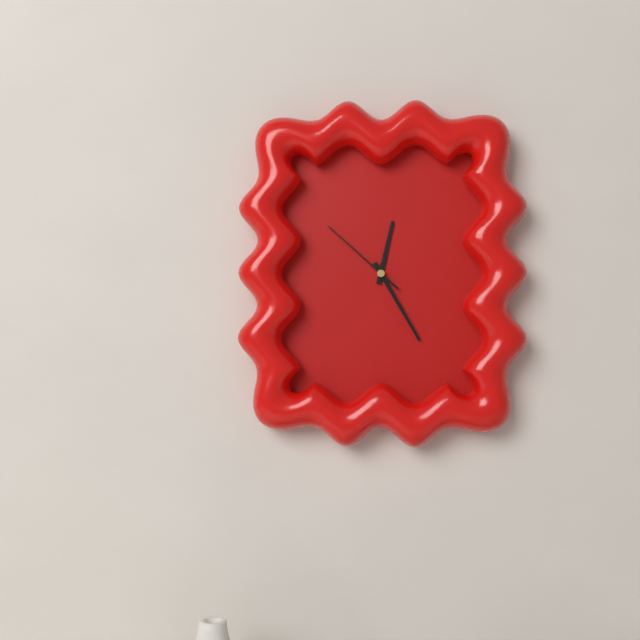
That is 12:25:52
